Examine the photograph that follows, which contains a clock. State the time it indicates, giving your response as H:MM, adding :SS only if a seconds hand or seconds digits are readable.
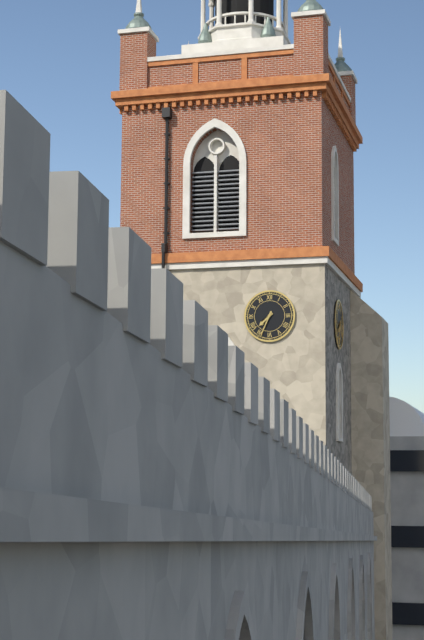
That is 7:34
